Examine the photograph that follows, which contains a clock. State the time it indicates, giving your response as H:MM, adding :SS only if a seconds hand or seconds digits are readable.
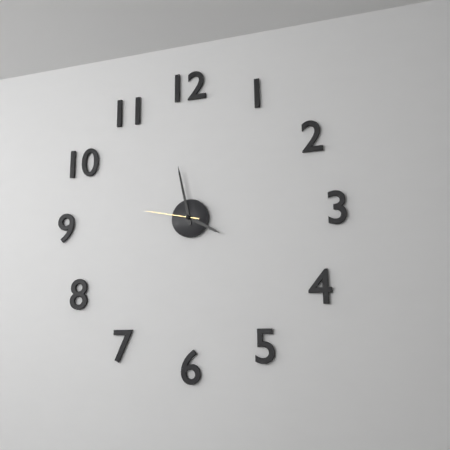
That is 3:58:47
